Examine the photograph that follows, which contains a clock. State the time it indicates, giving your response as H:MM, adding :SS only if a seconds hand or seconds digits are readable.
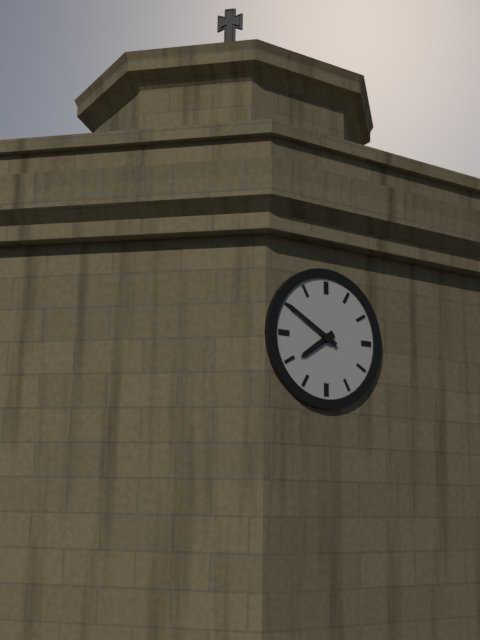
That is 7:50
